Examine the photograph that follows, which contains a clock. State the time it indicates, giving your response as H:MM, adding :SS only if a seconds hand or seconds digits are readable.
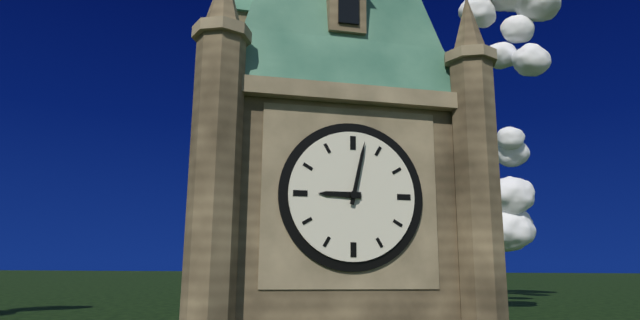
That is 9:02
